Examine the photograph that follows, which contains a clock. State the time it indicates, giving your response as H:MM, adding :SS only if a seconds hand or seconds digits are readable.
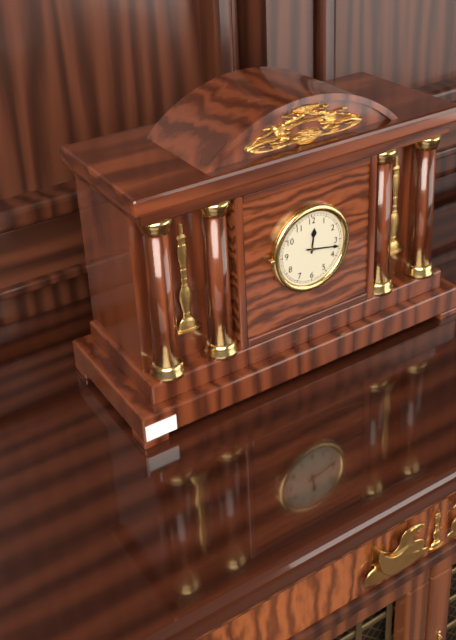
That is 12:17
